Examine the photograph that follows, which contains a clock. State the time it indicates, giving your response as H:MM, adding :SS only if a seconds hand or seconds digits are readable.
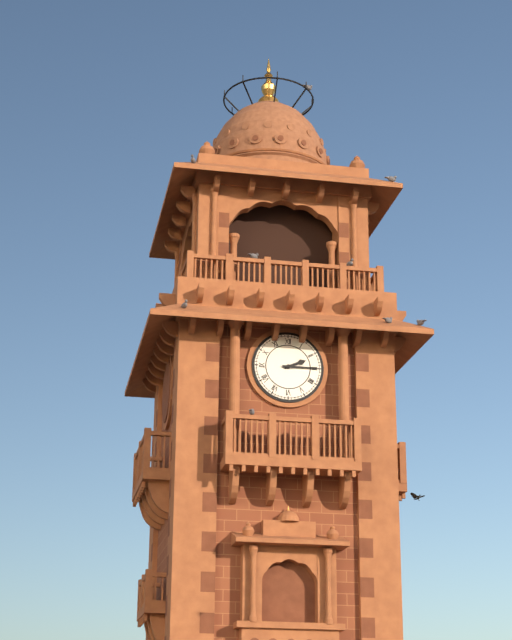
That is 2:15
